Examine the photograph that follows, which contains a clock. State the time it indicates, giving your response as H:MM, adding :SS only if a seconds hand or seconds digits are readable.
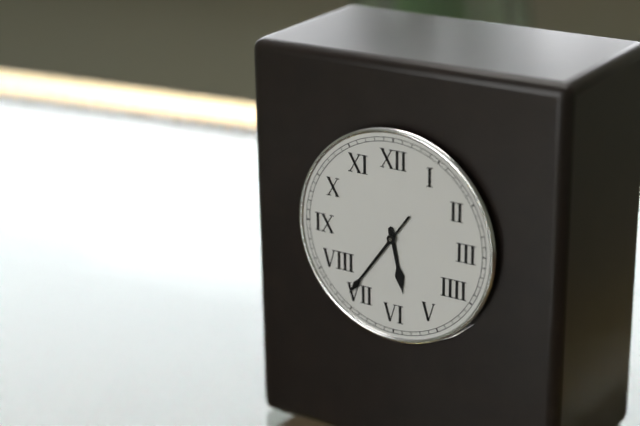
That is 5:36
